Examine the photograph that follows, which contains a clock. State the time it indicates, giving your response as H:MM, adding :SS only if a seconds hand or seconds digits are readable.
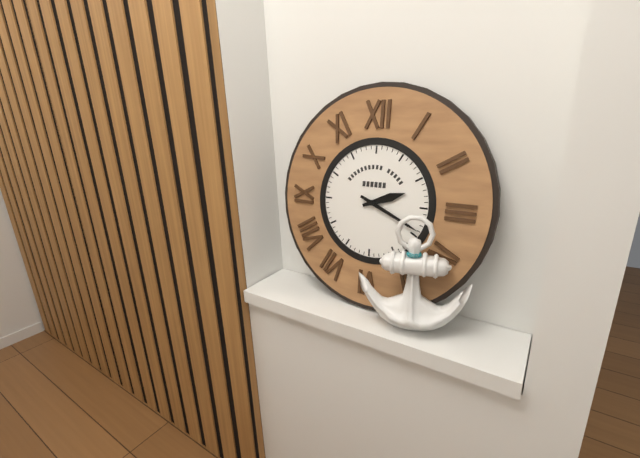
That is 2:19
